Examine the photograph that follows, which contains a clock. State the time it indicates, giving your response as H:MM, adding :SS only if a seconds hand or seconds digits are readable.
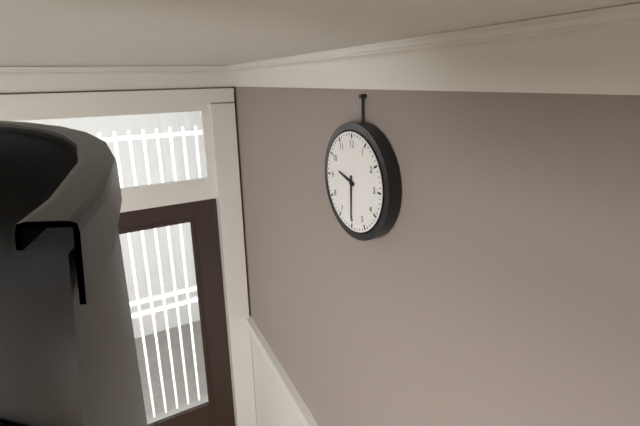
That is 9:30
